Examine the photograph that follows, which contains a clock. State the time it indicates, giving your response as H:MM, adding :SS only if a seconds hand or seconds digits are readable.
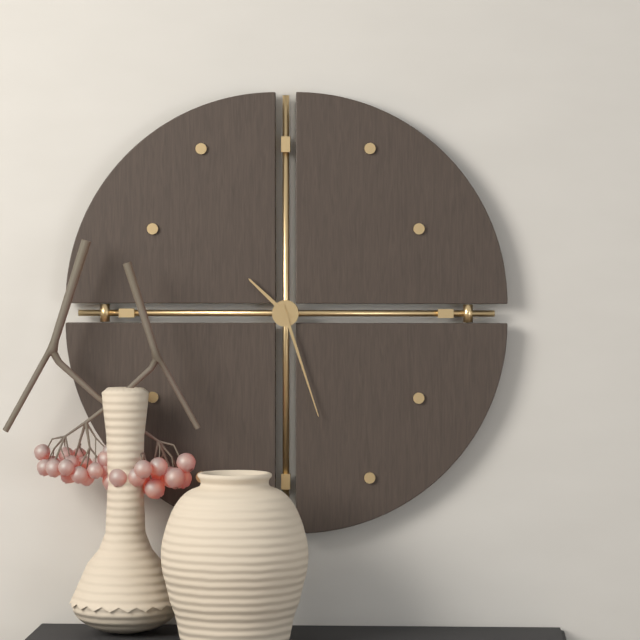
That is 10:27
